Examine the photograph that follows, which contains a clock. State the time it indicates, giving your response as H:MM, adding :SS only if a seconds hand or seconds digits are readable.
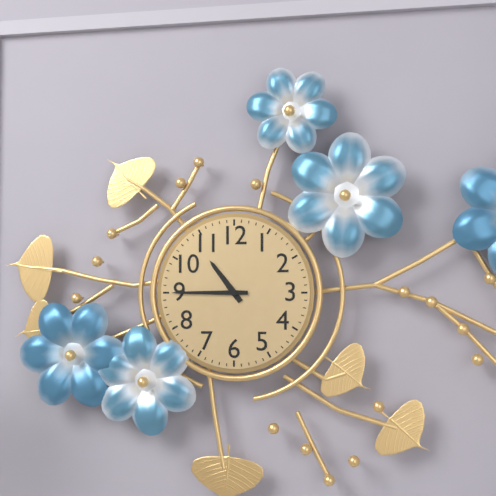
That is 10:45
